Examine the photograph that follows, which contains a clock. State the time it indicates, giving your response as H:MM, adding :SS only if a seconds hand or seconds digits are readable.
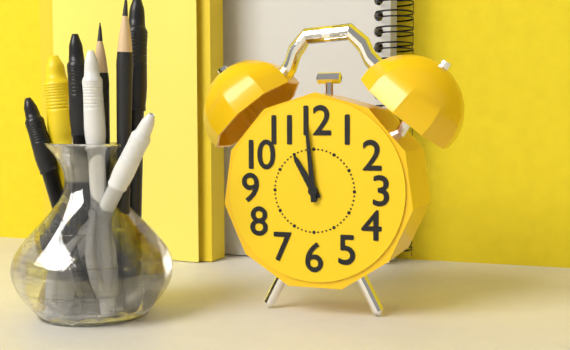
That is 10:59
